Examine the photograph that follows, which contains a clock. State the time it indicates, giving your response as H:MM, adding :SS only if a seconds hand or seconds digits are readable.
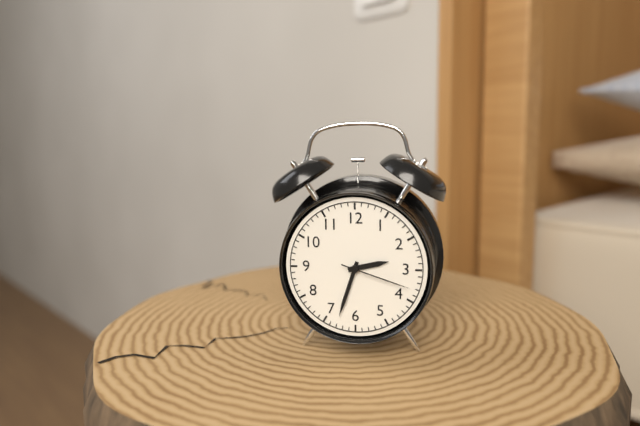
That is 2:33:18
